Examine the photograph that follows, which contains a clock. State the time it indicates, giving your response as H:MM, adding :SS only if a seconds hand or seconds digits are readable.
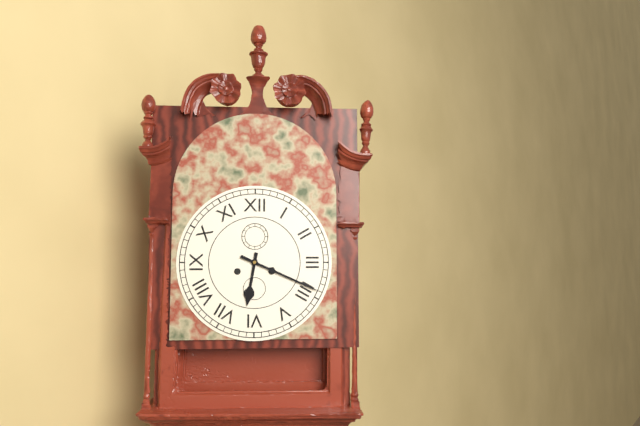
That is 6:19
